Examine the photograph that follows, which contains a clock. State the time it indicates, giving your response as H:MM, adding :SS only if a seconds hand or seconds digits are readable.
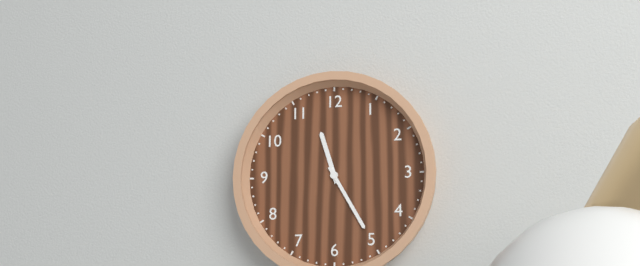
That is 11:25
